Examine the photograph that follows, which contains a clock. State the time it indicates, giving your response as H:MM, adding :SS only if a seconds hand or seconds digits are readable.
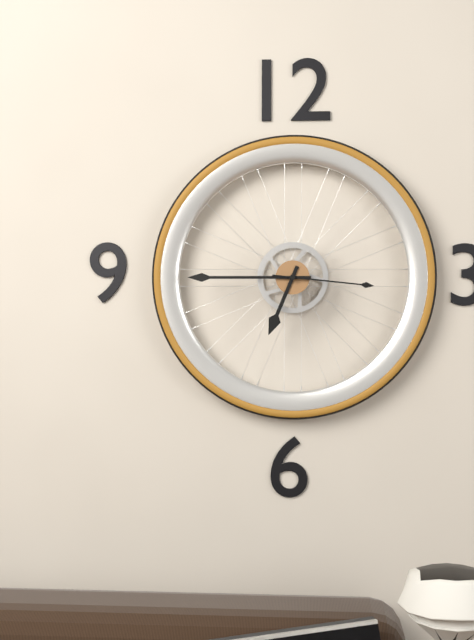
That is 6:45:16
